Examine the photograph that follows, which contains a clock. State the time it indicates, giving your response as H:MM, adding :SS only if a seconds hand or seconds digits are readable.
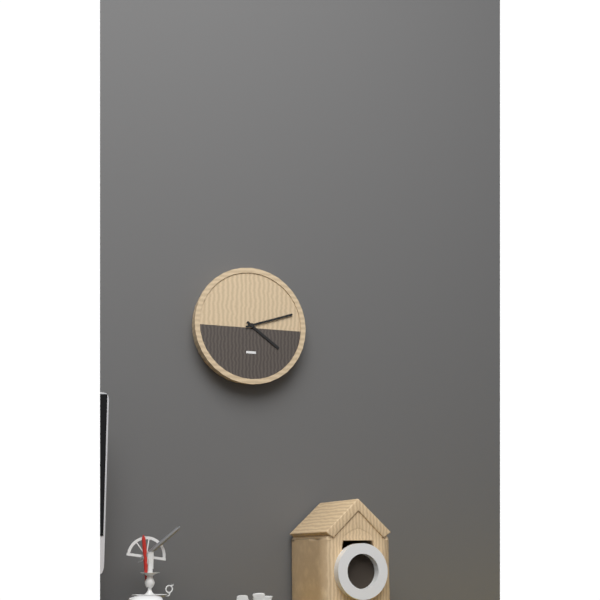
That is 4:12
